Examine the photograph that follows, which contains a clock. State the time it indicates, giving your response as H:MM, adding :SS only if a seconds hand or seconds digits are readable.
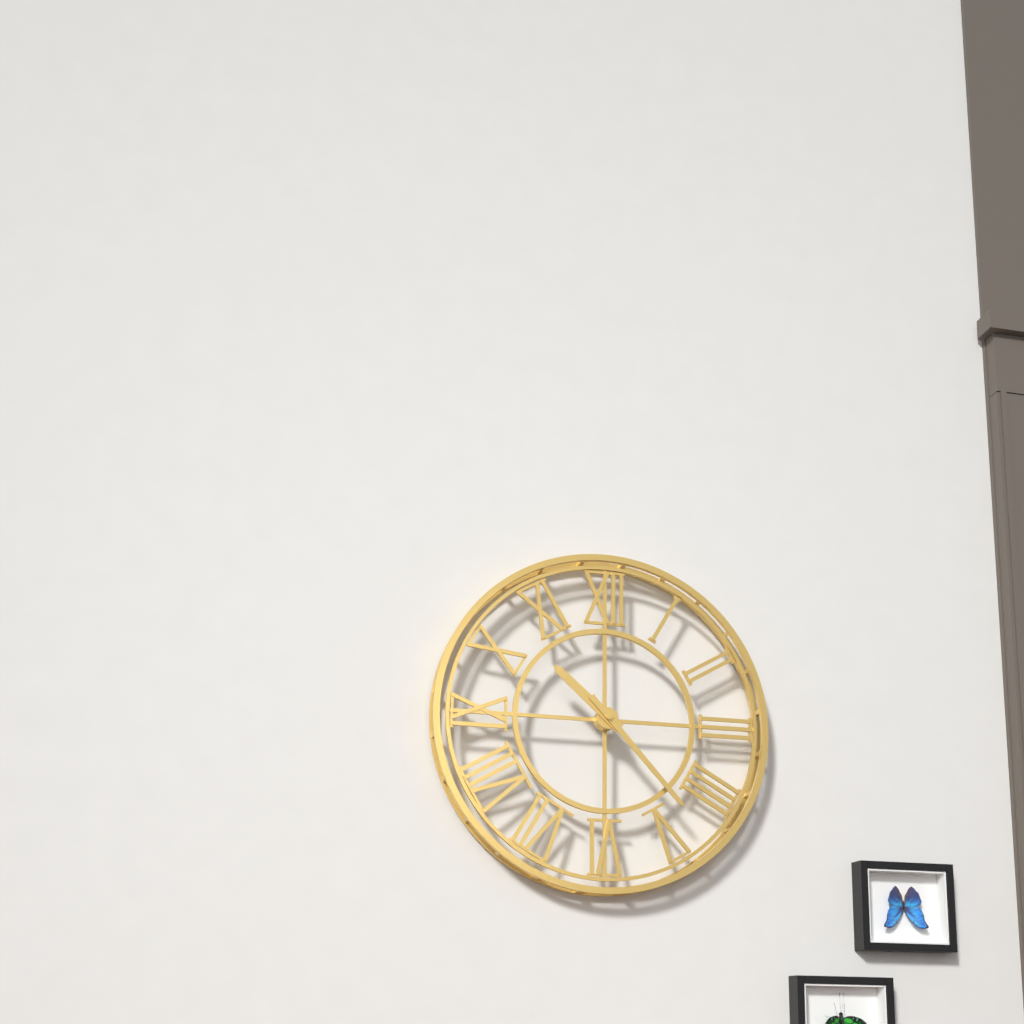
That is 10:23
